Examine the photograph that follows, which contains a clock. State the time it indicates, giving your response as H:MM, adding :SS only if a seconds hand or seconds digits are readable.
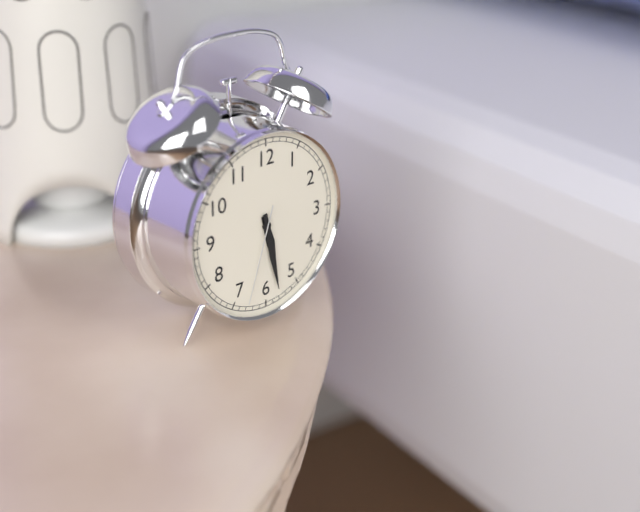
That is 5:28:33
